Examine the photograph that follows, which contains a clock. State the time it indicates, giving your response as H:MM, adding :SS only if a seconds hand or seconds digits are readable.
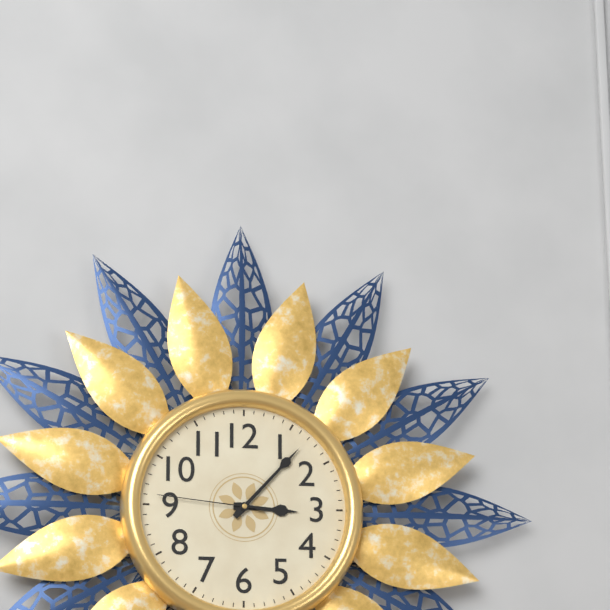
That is 3:07:46
